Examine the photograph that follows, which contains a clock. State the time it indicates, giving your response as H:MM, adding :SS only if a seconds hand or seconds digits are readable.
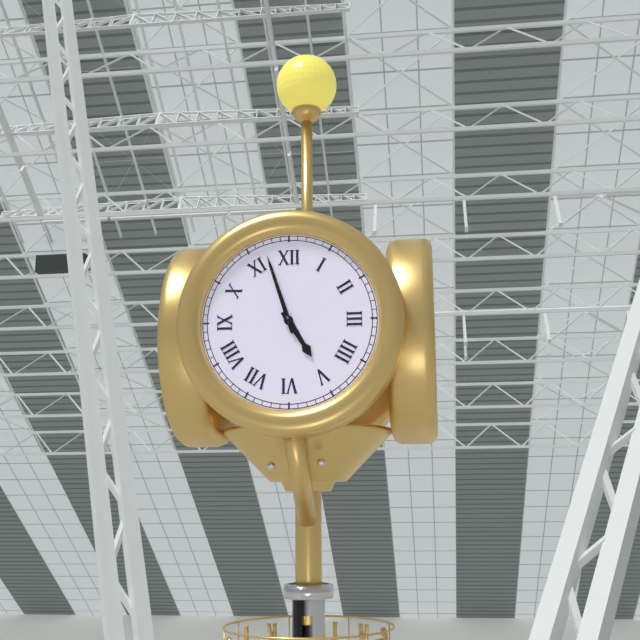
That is 4:57
